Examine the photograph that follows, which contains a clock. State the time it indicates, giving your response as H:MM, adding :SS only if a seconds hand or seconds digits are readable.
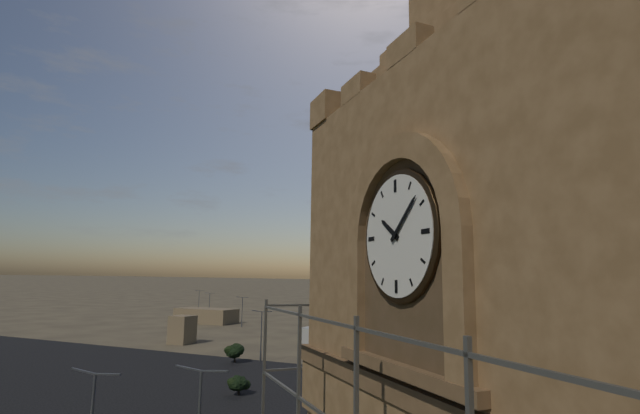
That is 10:08
